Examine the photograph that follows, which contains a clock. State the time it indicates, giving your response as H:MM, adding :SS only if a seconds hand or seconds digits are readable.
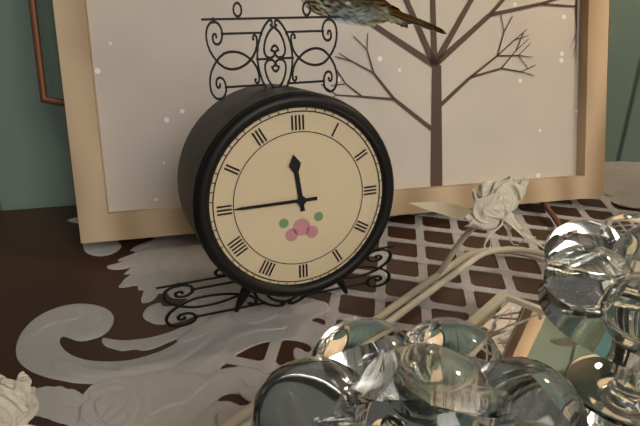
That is 11:45
